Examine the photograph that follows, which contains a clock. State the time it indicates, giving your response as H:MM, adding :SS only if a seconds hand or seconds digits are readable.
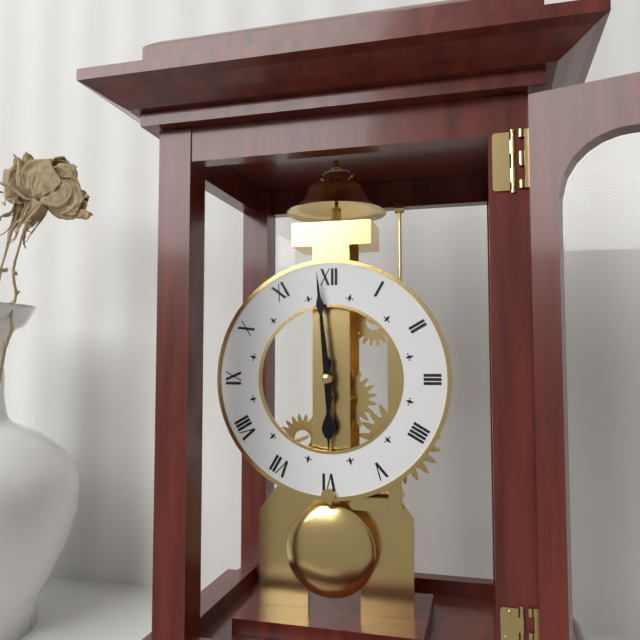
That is 5:59
